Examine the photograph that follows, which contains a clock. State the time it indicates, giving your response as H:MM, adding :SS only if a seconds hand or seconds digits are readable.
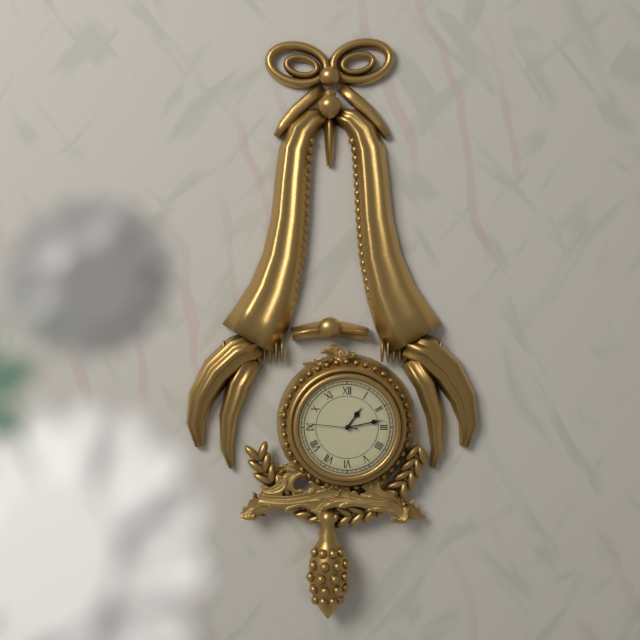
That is 1:13:46
